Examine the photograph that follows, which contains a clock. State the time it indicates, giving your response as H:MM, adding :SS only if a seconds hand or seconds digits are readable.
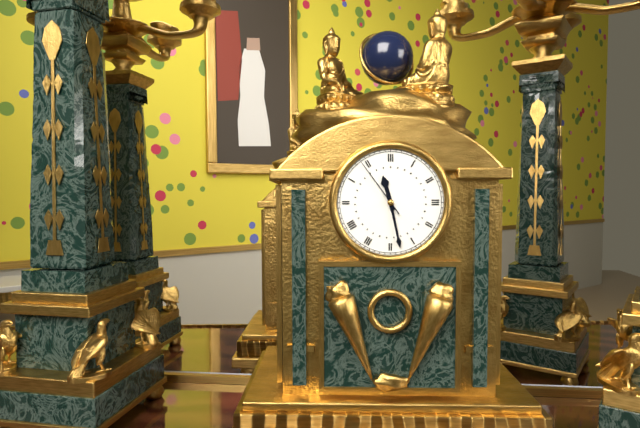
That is 11:28:54
